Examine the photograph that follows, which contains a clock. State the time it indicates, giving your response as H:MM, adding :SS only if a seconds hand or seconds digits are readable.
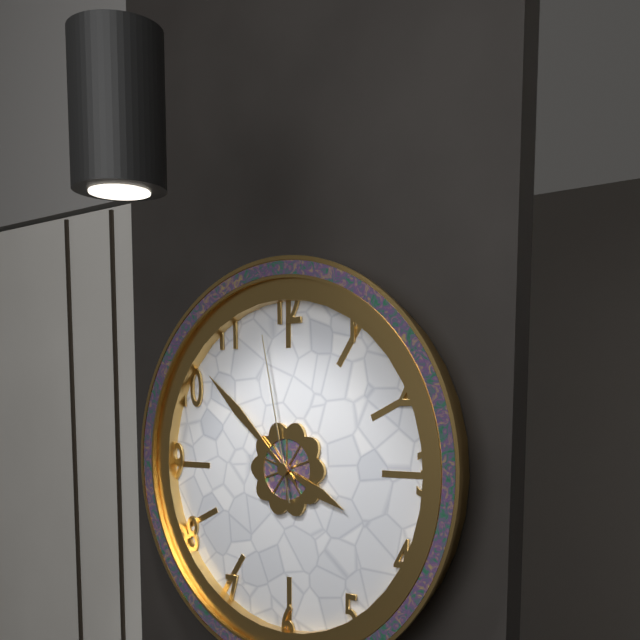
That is 3:52:58
